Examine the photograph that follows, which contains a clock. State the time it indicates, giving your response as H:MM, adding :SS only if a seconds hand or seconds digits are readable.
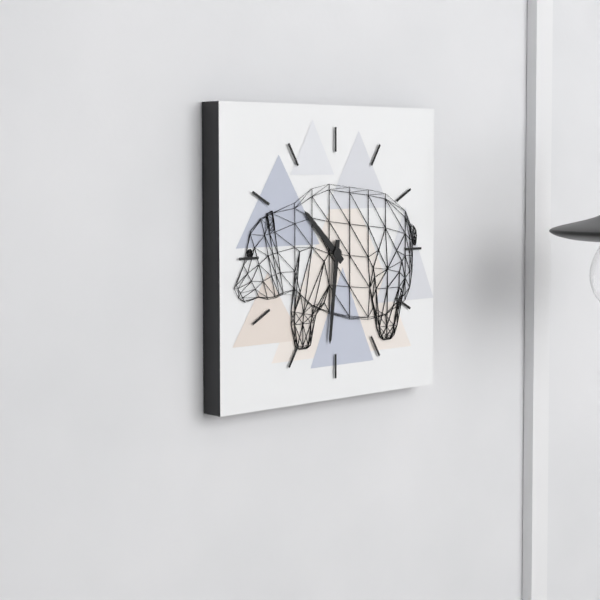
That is 10:31
